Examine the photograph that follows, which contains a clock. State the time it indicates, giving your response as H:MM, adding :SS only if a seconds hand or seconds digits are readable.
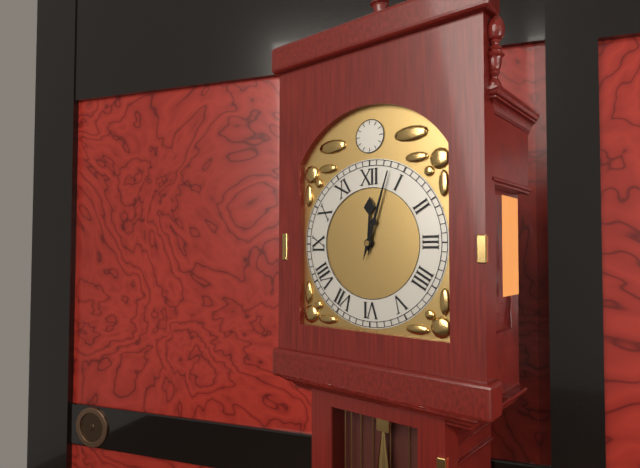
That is 12:03
